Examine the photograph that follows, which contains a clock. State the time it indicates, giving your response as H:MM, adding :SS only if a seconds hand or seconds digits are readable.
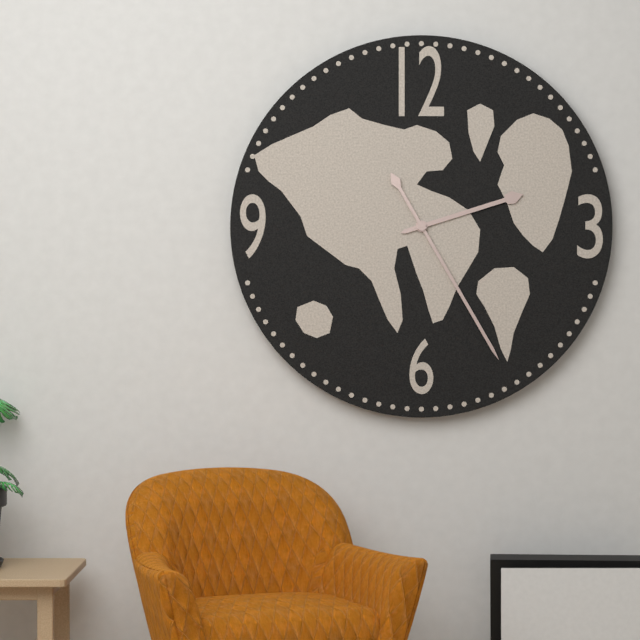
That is 2:25
